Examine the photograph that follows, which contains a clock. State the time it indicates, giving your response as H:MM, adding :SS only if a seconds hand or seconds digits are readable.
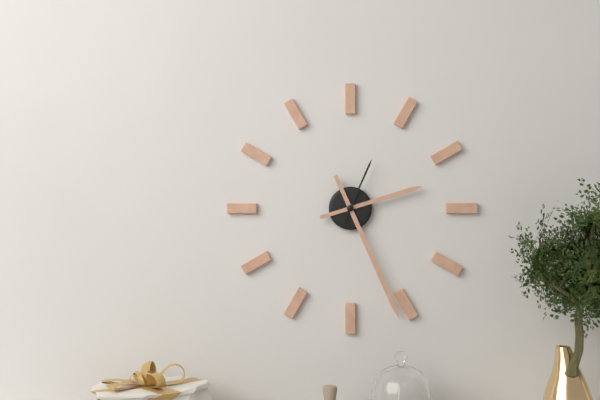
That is 2:26:04
